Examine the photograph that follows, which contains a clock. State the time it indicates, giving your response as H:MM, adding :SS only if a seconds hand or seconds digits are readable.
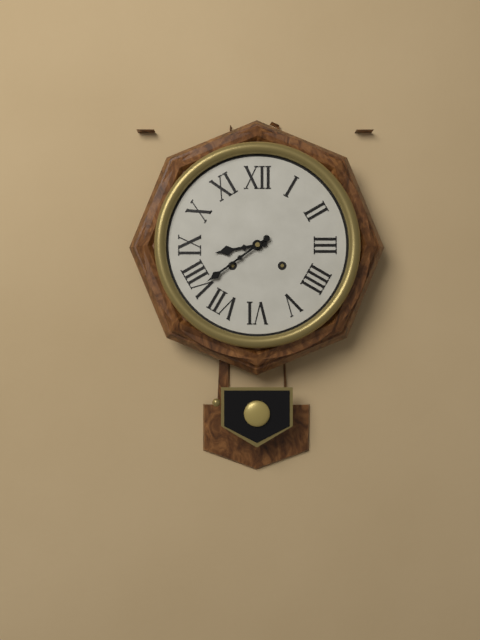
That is 8:39
